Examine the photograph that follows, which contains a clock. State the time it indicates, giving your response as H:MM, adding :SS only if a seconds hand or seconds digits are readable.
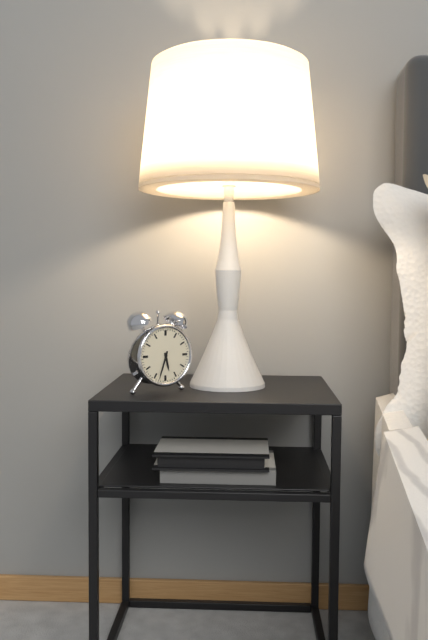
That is 5:33
